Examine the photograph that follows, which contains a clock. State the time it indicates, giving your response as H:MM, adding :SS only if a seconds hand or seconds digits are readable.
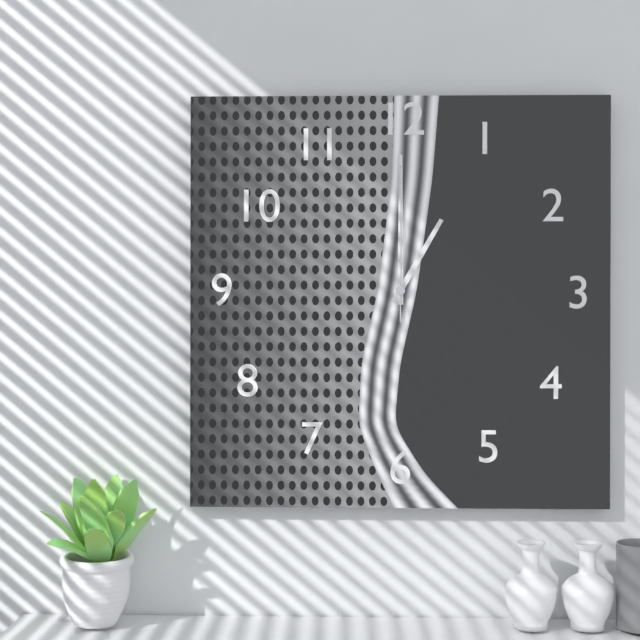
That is 1:00:00
